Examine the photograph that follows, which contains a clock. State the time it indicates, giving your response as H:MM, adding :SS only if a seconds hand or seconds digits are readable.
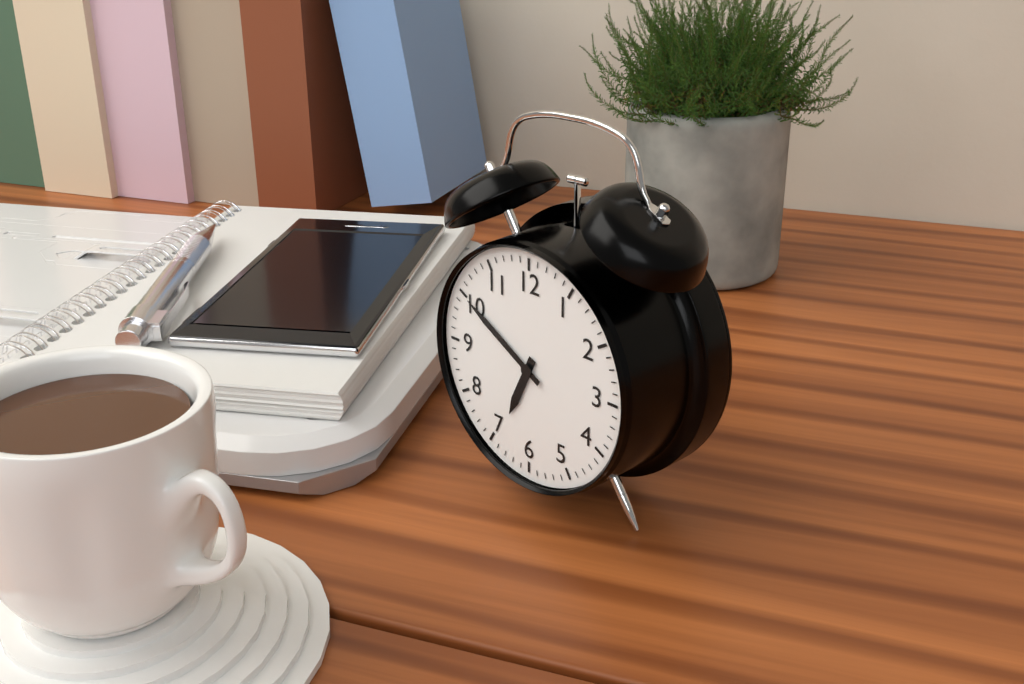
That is 6:50
